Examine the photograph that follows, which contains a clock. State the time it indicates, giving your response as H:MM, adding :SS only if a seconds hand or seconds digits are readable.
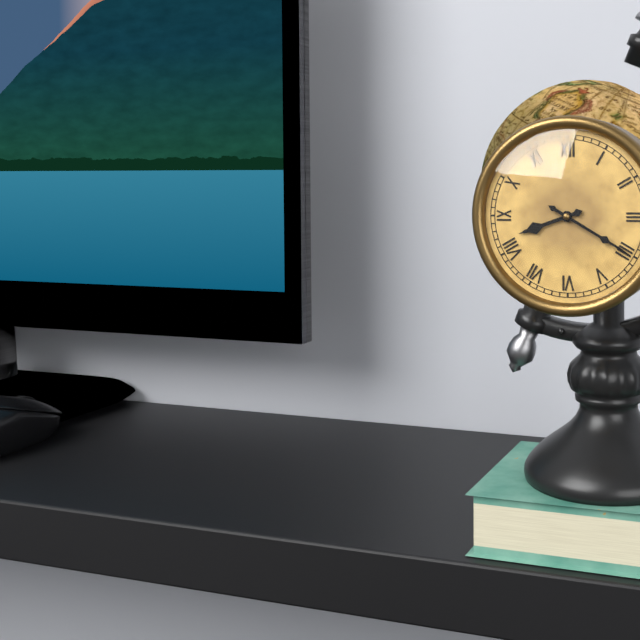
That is 8:20
